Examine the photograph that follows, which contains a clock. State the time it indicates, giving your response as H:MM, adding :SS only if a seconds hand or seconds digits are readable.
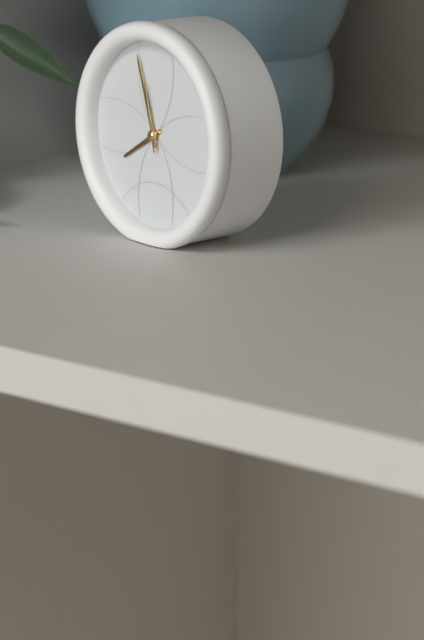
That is 7:57:58
